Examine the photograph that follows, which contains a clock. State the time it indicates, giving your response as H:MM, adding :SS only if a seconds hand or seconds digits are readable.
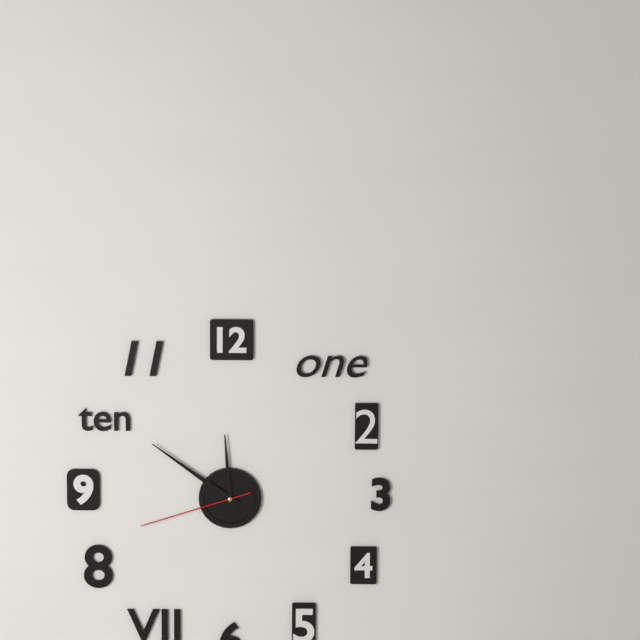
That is 11:51:42
